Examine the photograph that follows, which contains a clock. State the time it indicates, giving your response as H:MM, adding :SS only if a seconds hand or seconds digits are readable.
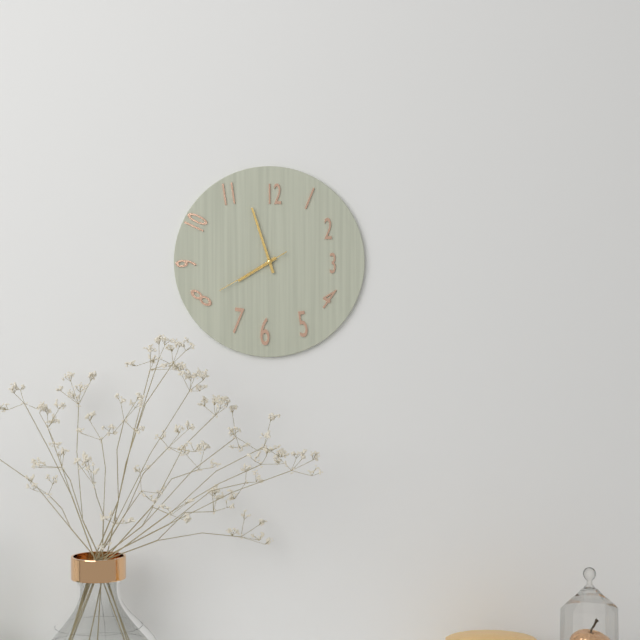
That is 7:57:40
